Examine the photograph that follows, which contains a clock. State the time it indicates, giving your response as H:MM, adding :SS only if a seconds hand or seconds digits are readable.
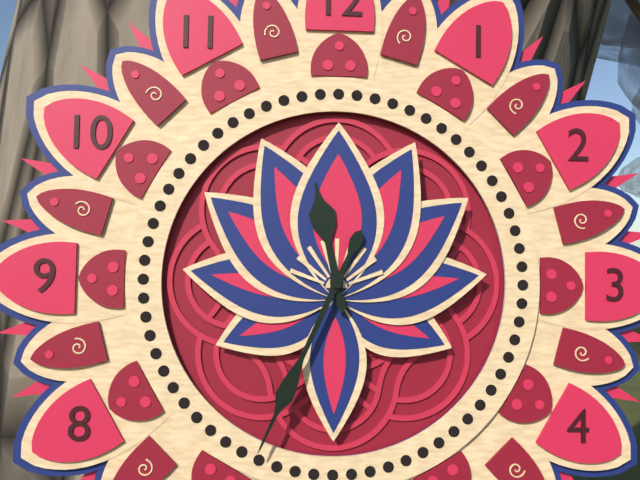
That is 11:34
